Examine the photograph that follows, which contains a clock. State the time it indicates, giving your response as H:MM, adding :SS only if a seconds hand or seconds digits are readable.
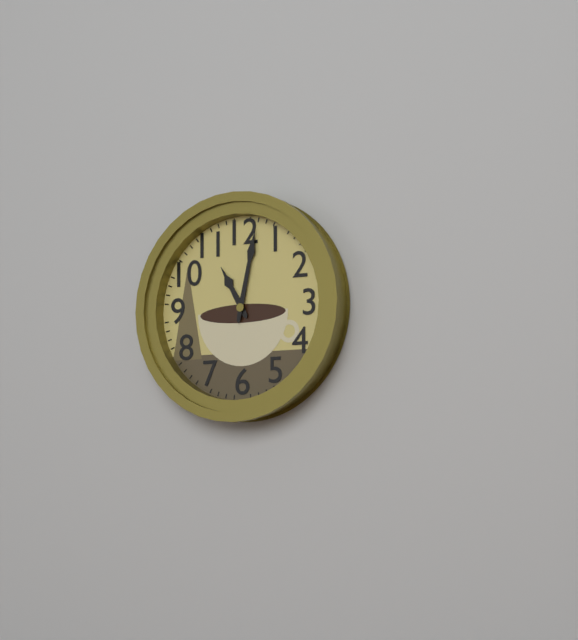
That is 11:02
